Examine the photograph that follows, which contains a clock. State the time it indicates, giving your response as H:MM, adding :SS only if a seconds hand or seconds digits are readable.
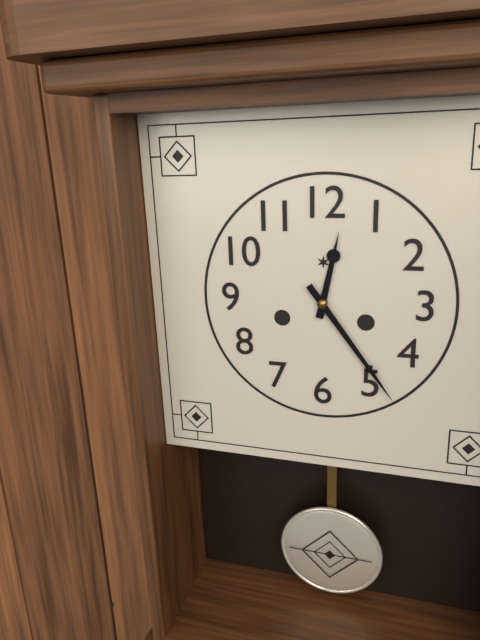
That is 12:24
